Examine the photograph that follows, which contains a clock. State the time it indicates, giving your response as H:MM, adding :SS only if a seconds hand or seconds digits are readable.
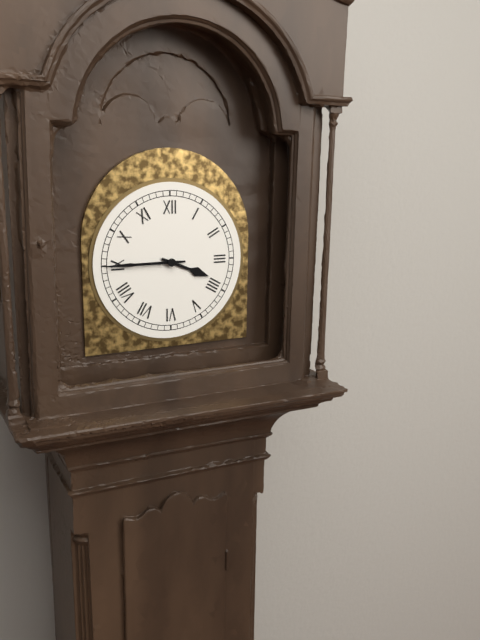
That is 3:45
